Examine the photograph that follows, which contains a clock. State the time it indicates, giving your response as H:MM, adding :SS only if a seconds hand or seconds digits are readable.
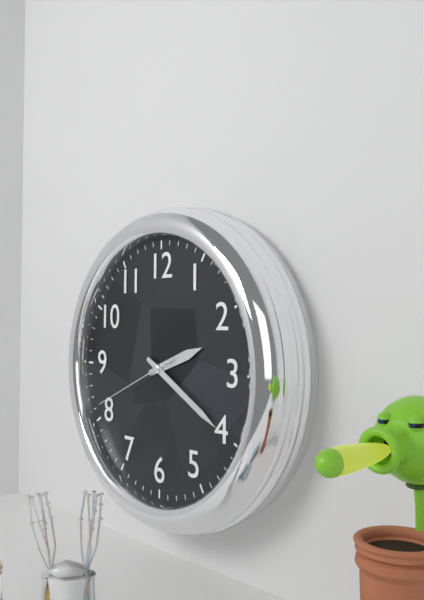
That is 2:20:41
